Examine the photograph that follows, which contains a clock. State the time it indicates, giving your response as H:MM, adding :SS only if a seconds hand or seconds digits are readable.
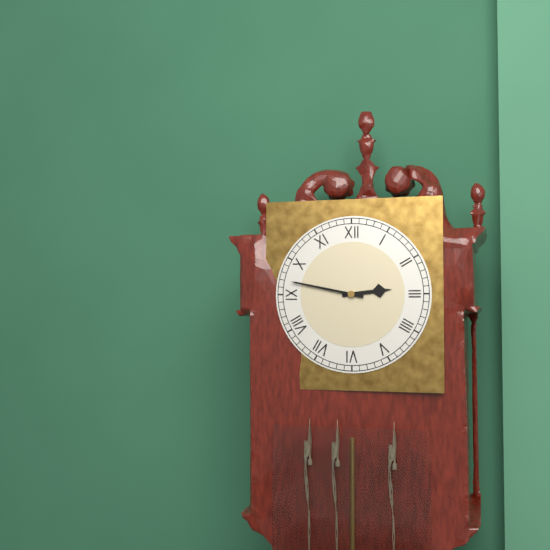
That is 2:47
